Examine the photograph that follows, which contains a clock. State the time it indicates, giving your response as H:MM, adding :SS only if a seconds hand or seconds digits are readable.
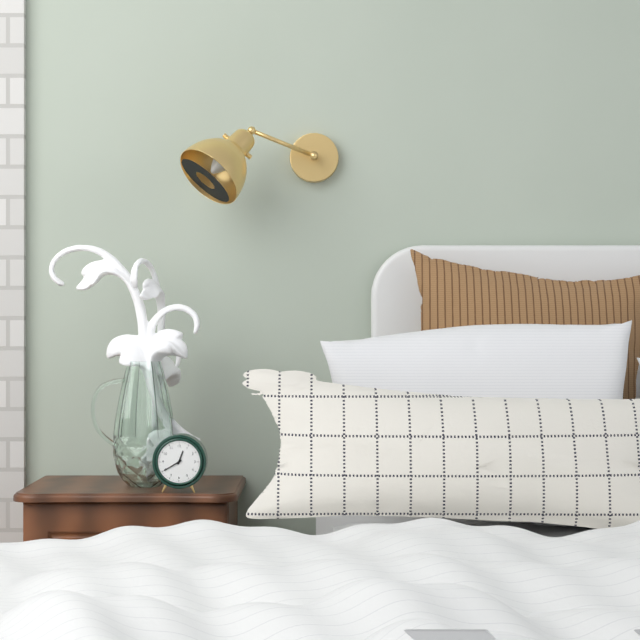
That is 12:40
